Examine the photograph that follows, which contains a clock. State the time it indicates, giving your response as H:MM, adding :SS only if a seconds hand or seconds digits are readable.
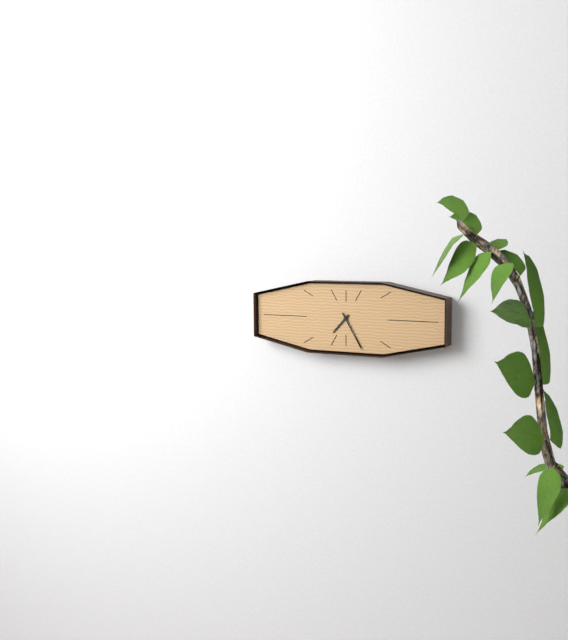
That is 7:25
